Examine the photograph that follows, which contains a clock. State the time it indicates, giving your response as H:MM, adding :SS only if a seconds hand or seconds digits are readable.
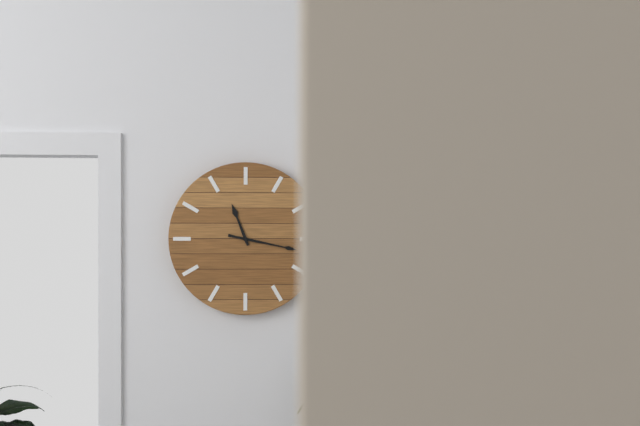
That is 11:17
